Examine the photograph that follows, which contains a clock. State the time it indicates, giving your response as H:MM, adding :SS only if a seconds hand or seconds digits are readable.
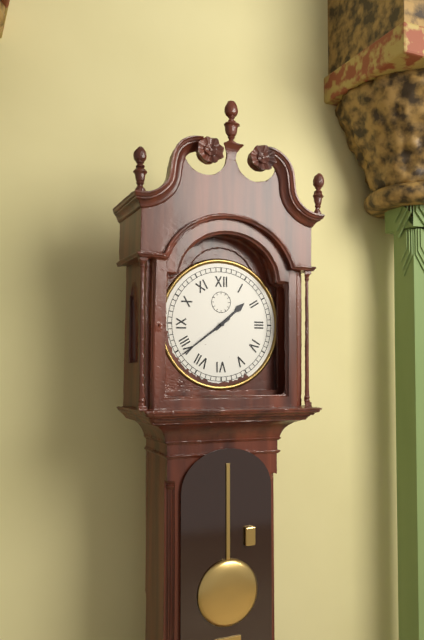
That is 1:39
